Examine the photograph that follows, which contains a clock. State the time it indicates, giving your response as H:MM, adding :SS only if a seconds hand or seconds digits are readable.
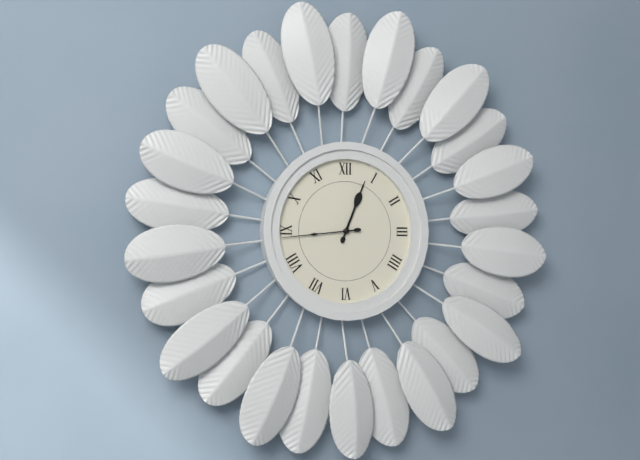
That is 12:44
